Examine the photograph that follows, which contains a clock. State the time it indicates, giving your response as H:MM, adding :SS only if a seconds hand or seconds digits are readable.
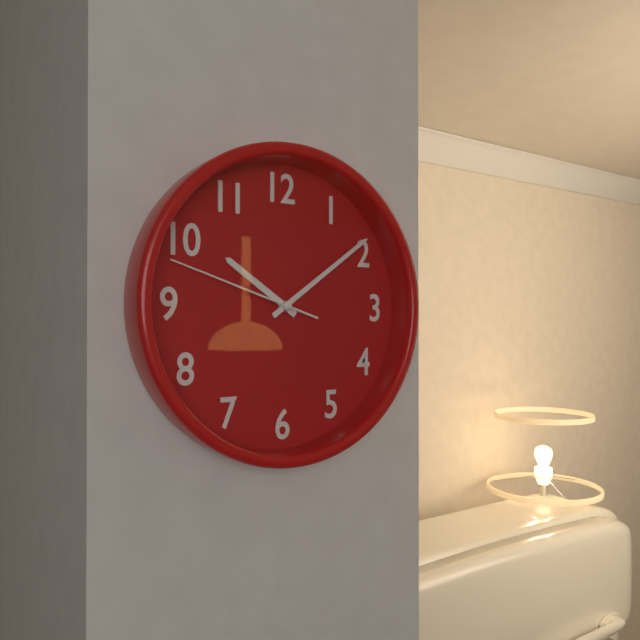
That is 10:09:48
